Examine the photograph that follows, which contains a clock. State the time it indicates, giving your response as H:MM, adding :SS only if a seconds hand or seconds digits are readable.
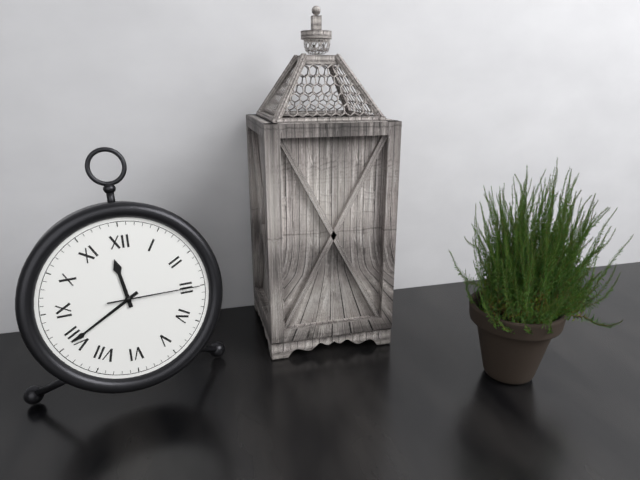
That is 11:40:15
